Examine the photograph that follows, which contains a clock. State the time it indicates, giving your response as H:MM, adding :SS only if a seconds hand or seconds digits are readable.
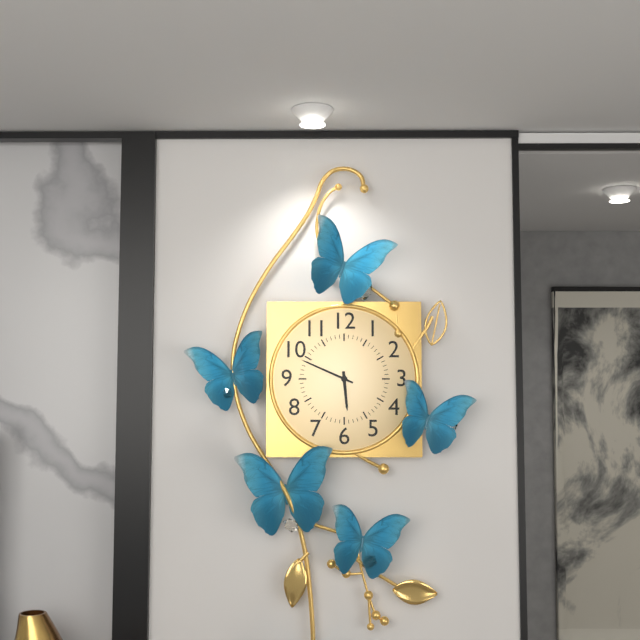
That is 5:49
